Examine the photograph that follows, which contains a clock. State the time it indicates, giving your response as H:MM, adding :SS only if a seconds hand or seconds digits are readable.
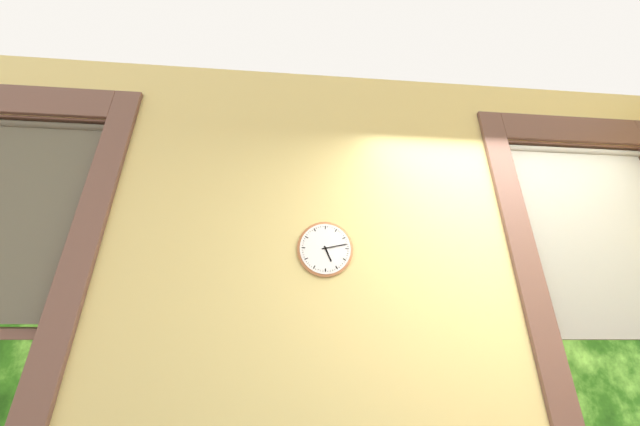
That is 5:13
